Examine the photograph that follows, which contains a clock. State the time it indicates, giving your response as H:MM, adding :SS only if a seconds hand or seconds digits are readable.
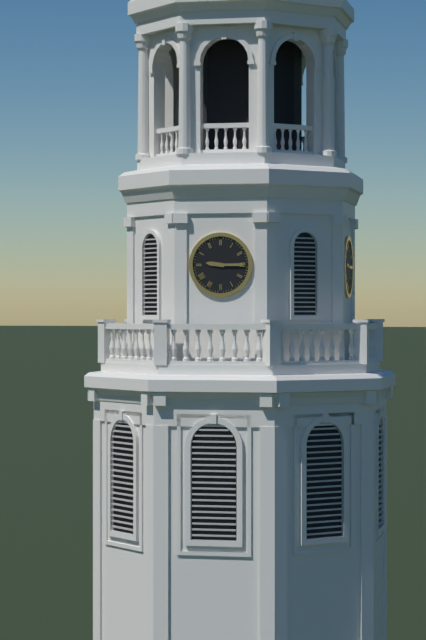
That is 9:15
